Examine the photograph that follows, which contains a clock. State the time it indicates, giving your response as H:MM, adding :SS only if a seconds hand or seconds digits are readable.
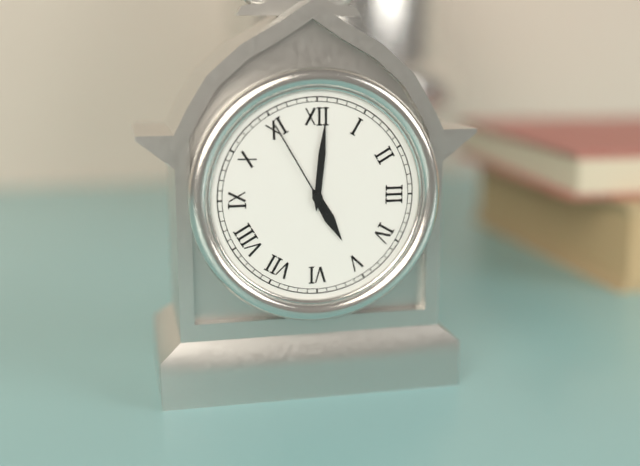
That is 5:01:55
